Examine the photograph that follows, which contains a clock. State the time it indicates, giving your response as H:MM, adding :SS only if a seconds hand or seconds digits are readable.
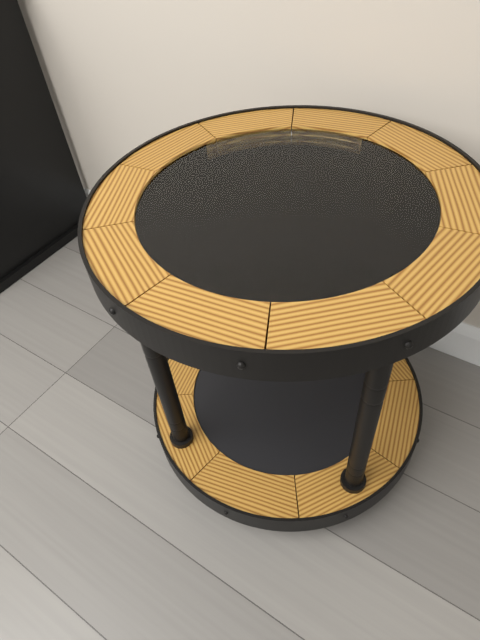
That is 3:46
